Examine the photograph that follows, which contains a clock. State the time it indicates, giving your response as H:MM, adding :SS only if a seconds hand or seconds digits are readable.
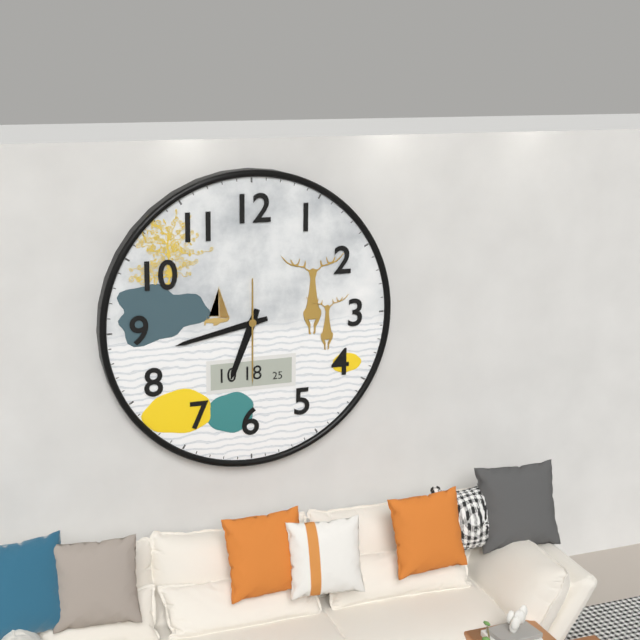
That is 6:43:30
